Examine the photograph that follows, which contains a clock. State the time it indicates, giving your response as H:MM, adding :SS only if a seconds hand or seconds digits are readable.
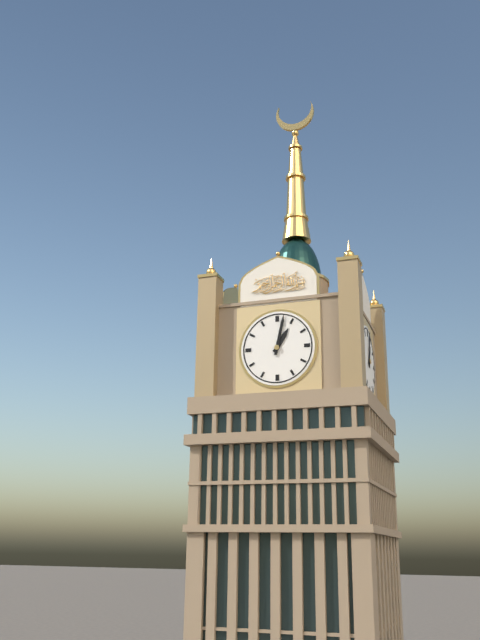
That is 1:02
